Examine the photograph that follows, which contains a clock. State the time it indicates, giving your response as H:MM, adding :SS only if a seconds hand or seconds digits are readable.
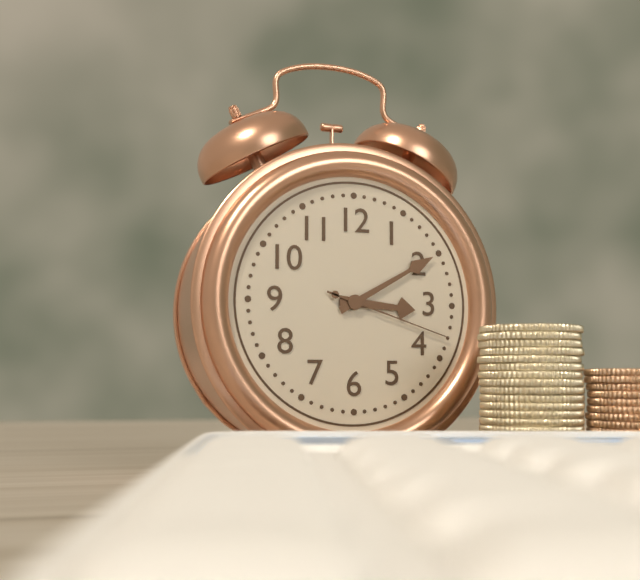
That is 3:10:18
